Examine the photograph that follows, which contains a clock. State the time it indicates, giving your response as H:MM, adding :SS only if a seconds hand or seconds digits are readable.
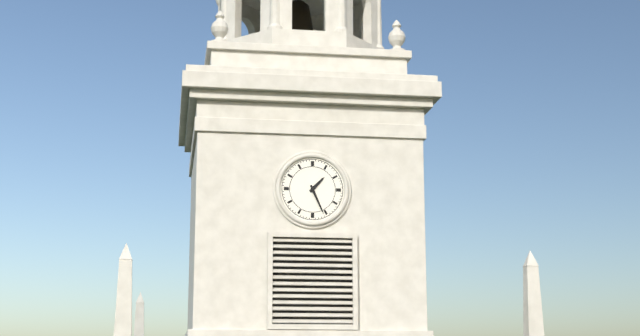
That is 1:26
